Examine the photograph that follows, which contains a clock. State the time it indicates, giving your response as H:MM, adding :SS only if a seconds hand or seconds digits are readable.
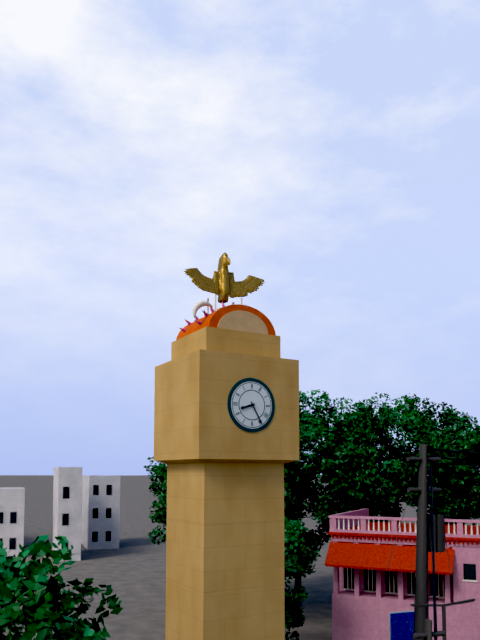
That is 8:25
